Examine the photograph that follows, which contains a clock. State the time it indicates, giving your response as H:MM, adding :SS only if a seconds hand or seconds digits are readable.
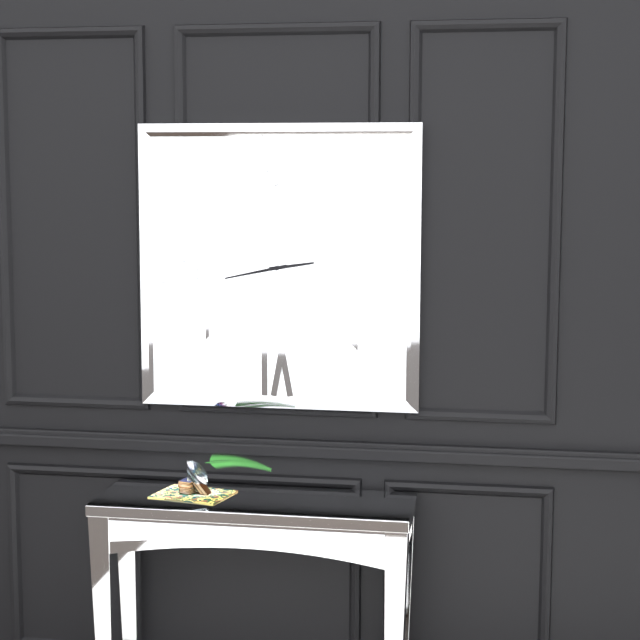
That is 2:43
